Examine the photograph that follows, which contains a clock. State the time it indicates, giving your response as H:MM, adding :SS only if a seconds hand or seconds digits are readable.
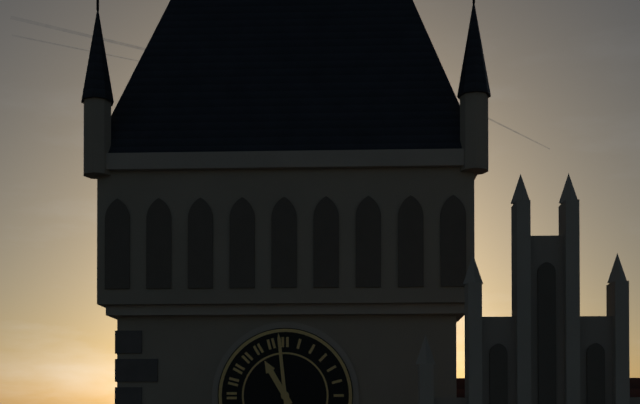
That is 10:59
